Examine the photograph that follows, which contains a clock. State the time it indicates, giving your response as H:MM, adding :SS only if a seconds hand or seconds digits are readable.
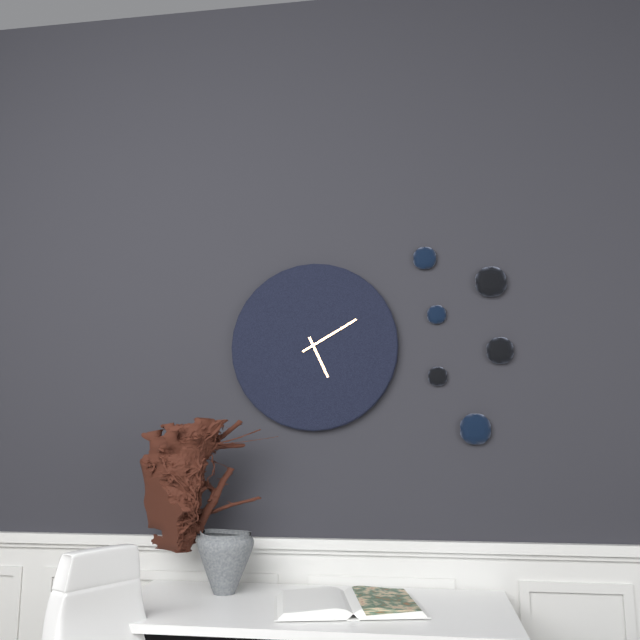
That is 5:10
